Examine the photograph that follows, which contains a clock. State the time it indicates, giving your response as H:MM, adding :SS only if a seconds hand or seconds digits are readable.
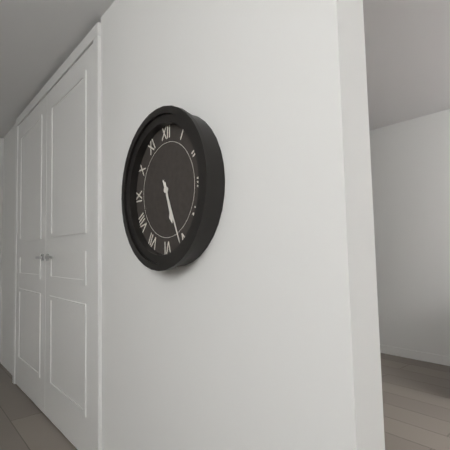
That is 5:26
